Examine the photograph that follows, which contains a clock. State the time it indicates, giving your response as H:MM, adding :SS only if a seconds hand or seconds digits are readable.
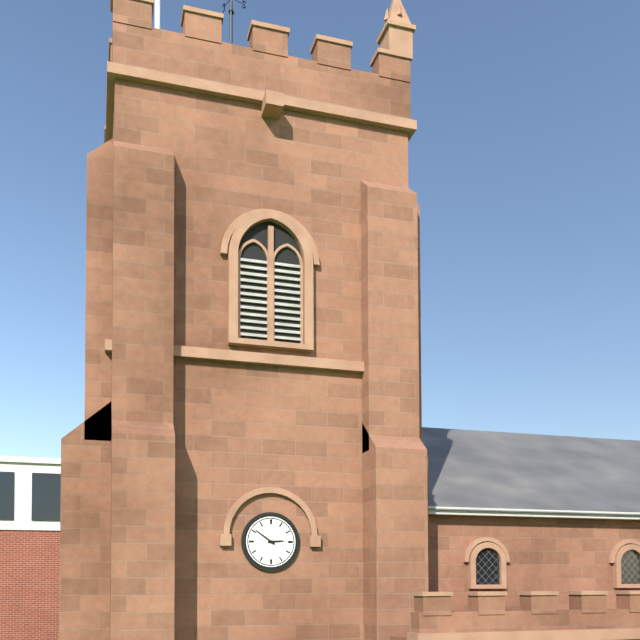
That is 2:51
